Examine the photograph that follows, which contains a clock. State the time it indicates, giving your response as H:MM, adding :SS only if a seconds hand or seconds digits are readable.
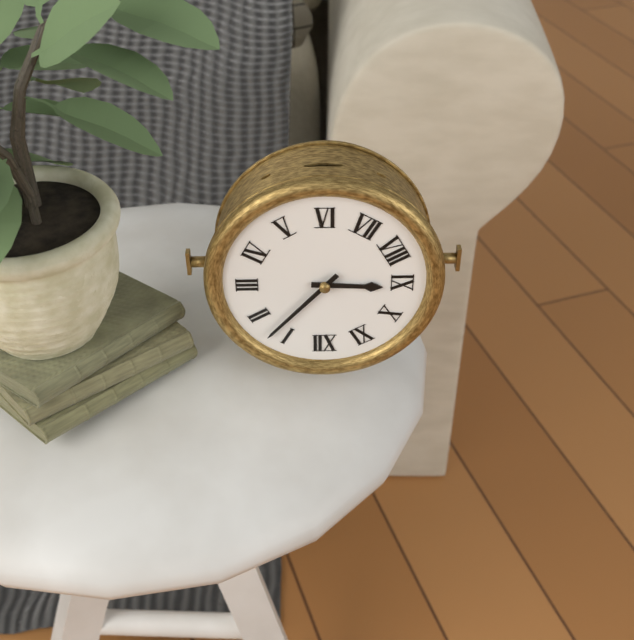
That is 9:07
